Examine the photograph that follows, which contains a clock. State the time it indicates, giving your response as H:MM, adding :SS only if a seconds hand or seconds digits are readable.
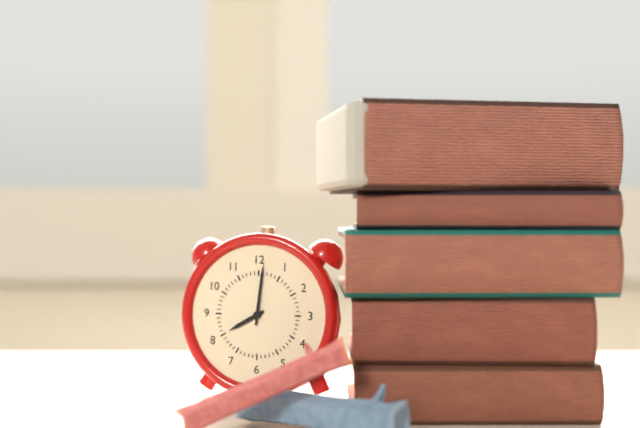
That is 8:01
